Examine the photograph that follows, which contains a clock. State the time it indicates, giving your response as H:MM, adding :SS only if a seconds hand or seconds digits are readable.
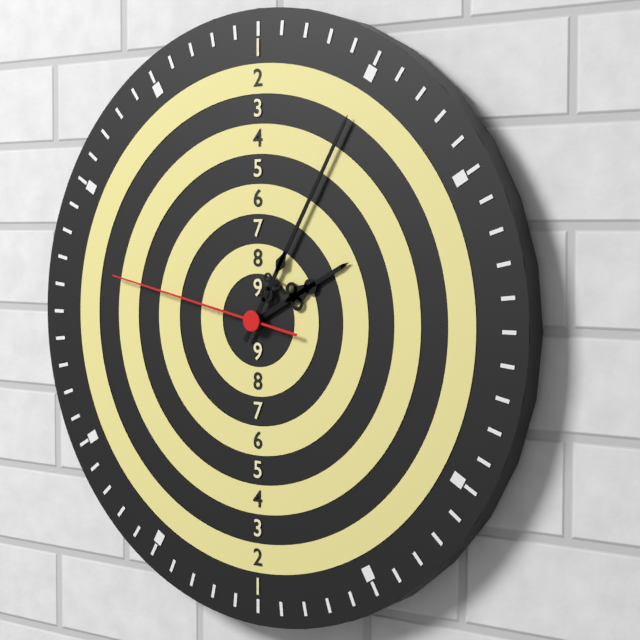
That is 2:05:47
